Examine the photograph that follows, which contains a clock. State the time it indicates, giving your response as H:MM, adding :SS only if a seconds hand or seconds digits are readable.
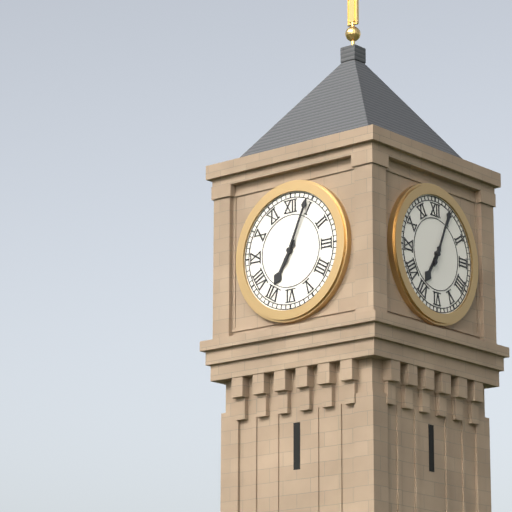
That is 7:04
